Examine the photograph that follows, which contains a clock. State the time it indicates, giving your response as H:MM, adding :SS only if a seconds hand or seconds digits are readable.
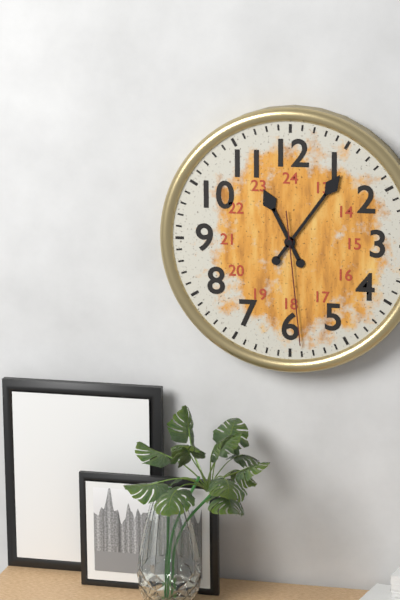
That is 11:06:29
